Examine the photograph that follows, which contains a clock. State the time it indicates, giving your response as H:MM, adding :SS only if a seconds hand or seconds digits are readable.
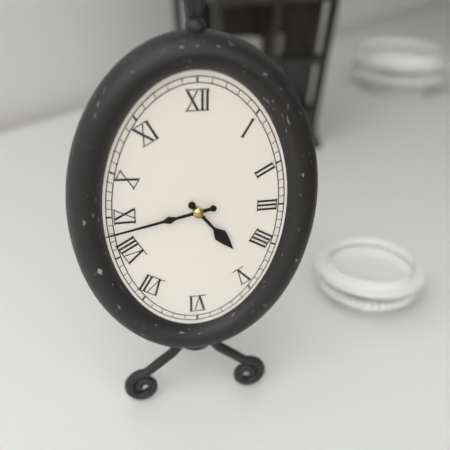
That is 4:43
